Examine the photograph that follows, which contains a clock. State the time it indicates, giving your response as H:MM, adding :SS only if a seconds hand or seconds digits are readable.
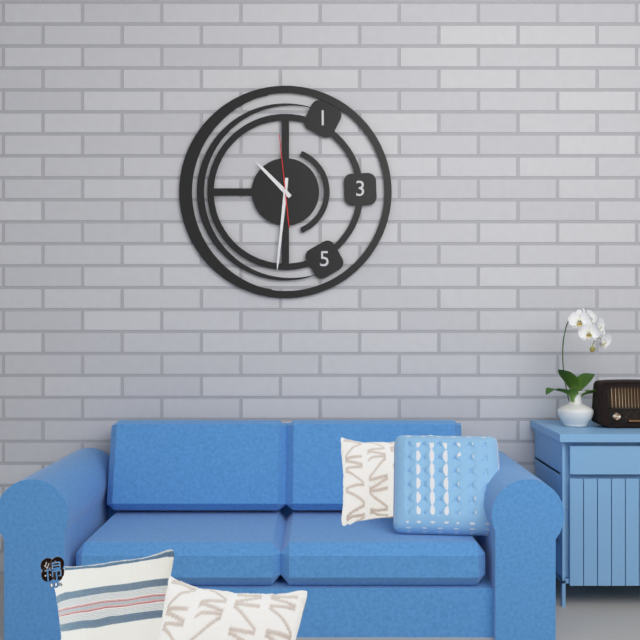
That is 10:31:59
